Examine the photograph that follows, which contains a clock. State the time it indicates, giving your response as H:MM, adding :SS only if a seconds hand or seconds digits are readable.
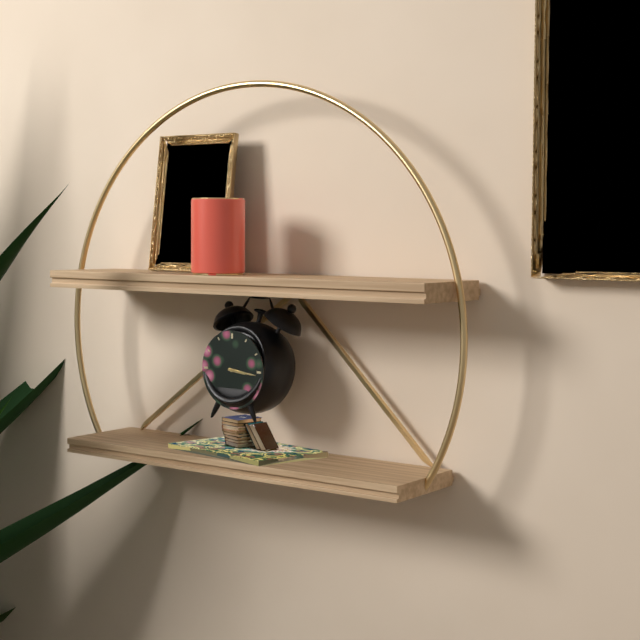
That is 3:16
